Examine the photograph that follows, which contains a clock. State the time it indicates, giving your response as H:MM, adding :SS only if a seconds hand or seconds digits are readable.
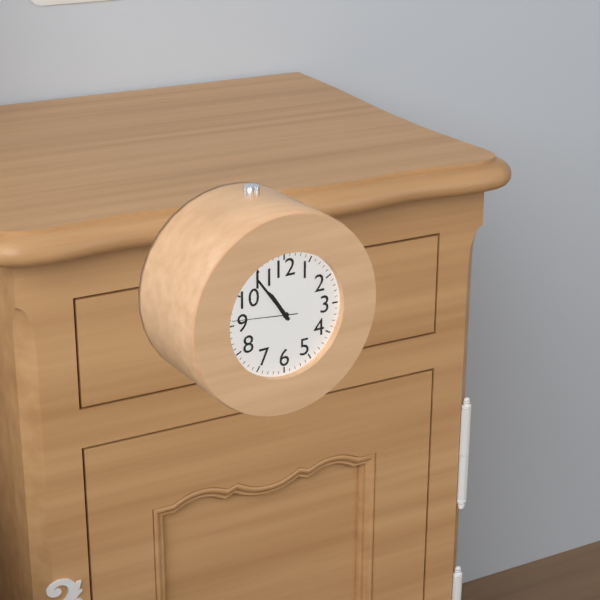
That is 10:54:46
